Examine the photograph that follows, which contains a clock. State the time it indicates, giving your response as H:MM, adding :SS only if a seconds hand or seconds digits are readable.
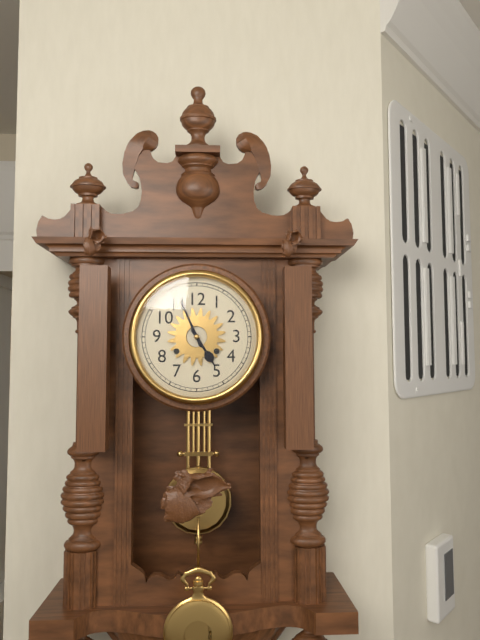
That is 4:56
